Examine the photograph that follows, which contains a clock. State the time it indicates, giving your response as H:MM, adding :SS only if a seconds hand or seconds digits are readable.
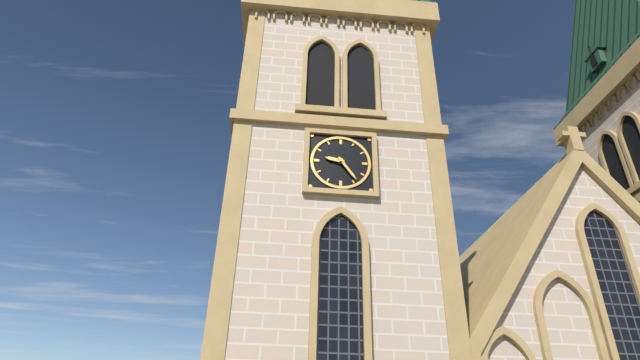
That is 9:24
